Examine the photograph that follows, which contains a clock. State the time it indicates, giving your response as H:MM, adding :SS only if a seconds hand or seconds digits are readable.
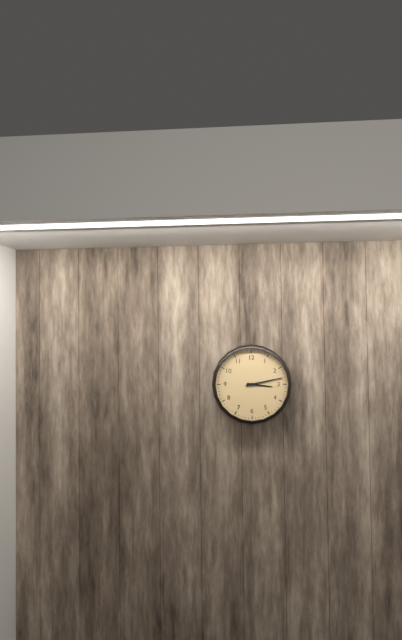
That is 3:13
